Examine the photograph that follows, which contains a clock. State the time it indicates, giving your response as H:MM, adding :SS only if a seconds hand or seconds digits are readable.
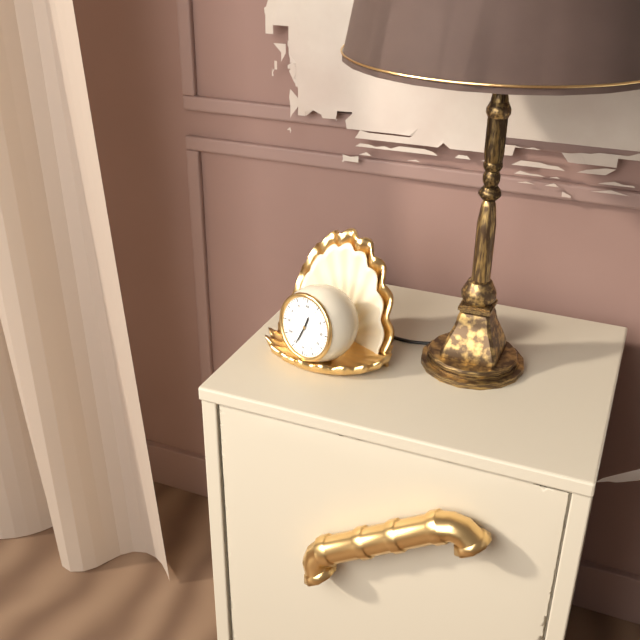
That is 12:34
